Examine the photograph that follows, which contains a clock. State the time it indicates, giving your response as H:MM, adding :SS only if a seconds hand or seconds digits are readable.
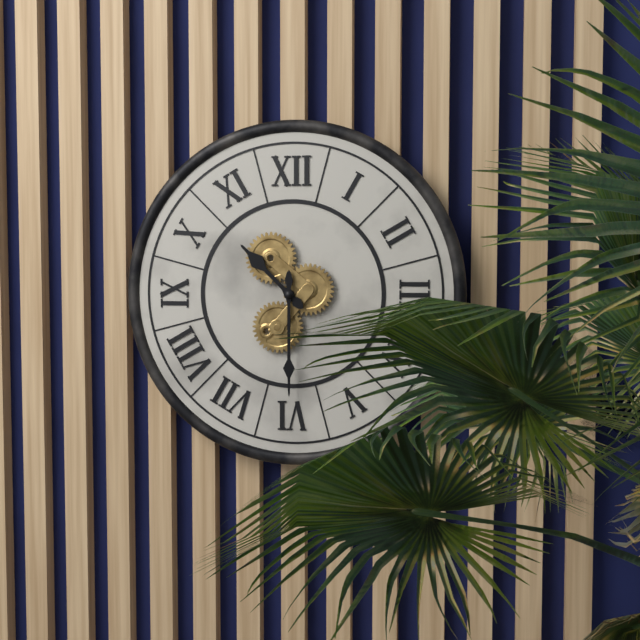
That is 10:30
